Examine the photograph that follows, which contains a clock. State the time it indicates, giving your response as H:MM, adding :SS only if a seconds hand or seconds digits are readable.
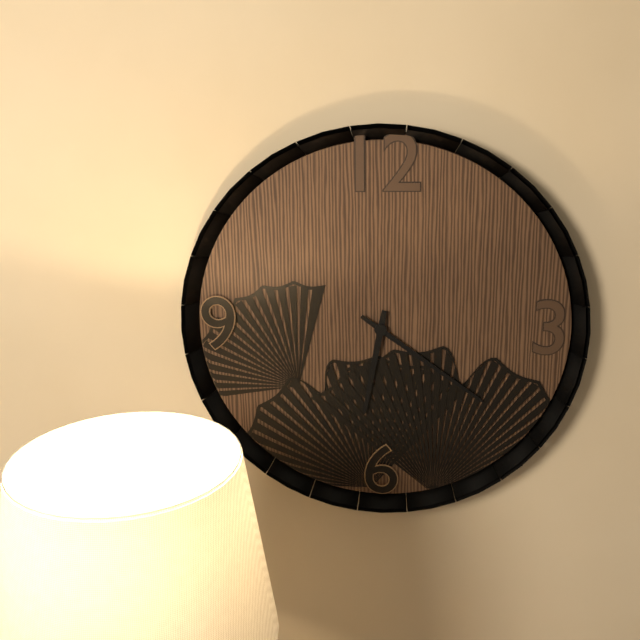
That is 6:21
